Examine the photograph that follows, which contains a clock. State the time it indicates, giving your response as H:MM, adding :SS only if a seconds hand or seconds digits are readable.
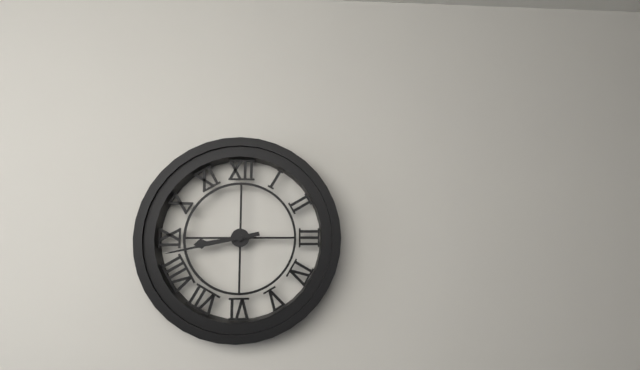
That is 8:43
